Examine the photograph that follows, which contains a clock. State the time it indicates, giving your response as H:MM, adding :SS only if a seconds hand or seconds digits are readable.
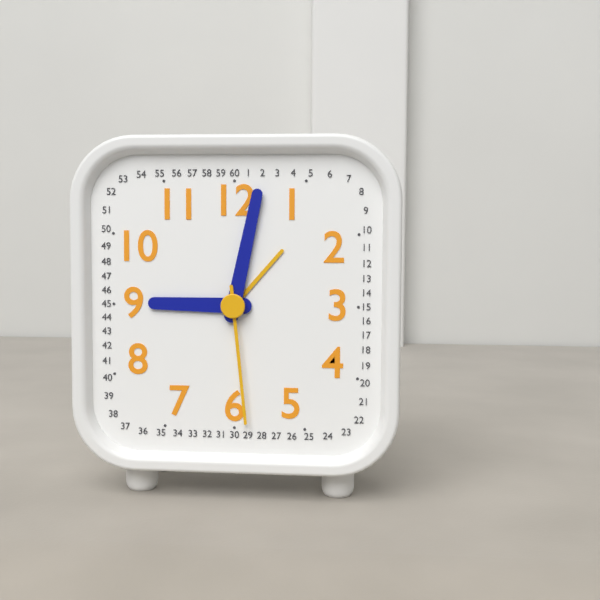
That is 9:02:29
